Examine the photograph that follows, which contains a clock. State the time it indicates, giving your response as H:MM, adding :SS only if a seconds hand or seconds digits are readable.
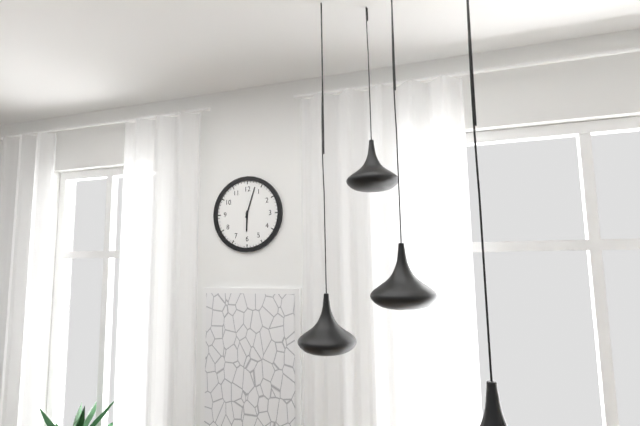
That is 6:03
